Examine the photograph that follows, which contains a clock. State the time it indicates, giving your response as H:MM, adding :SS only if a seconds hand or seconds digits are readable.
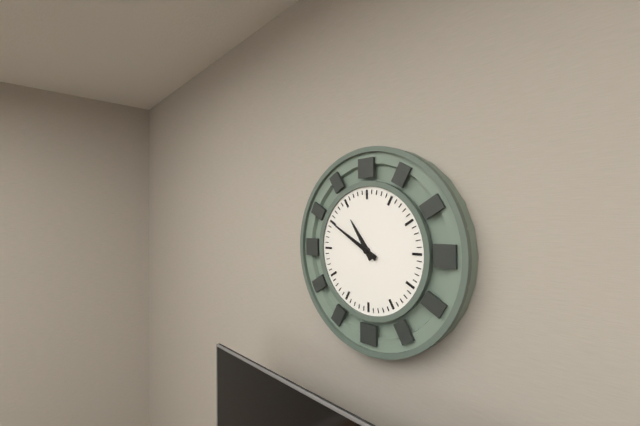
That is 10:50
